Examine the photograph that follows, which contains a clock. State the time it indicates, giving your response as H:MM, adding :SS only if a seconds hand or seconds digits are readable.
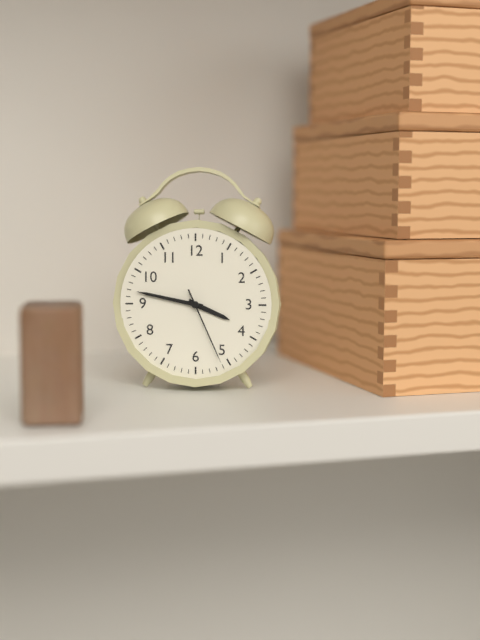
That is 3:47:26
